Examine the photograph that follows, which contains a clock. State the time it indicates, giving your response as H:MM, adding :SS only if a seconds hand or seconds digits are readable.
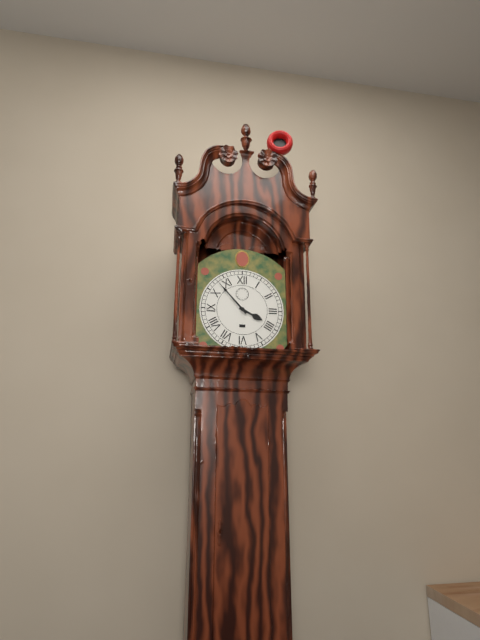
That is 3:53
